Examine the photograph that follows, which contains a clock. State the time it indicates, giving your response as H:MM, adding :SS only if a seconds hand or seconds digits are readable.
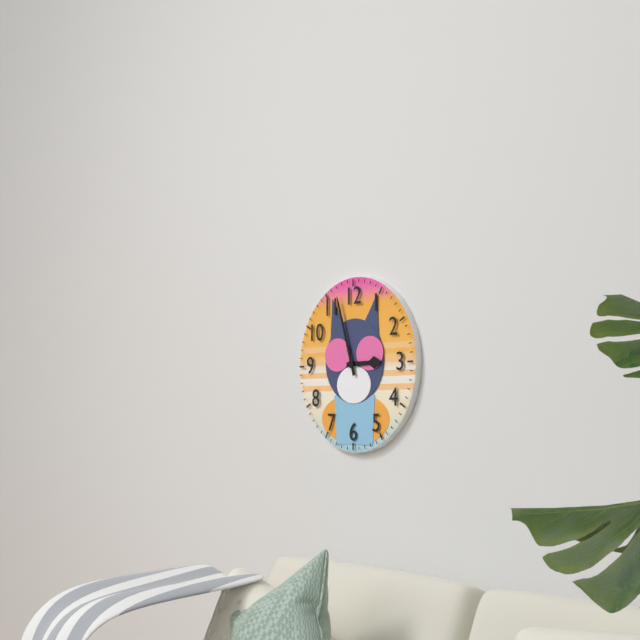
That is 2:57
